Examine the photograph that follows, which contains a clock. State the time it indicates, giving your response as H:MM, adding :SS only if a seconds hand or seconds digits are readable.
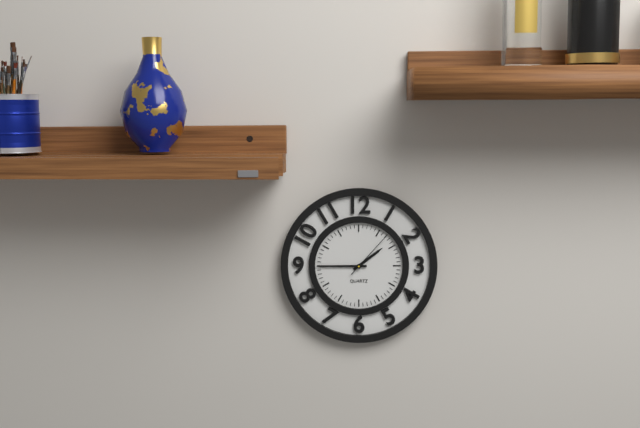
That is 1:45:07
